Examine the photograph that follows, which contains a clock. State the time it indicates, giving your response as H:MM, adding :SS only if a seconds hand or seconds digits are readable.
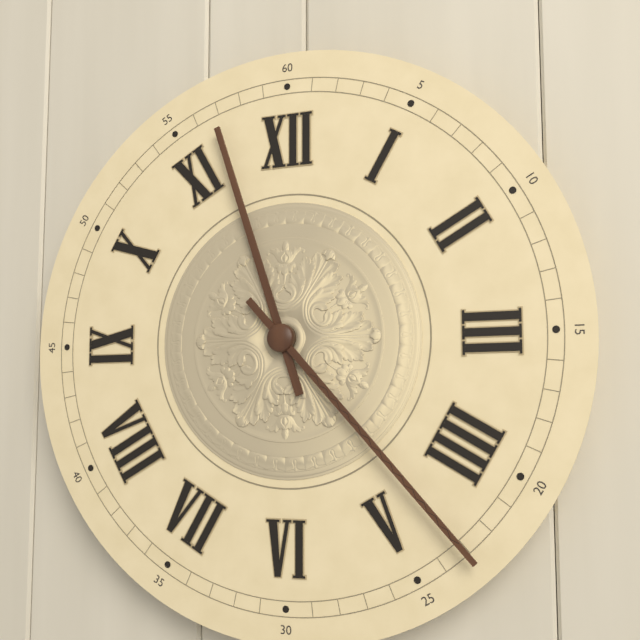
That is 11:23
